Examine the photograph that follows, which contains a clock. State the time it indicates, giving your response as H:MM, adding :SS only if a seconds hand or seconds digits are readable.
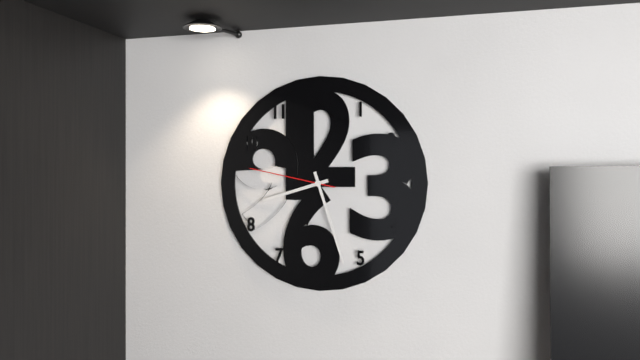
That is 8:27:47
